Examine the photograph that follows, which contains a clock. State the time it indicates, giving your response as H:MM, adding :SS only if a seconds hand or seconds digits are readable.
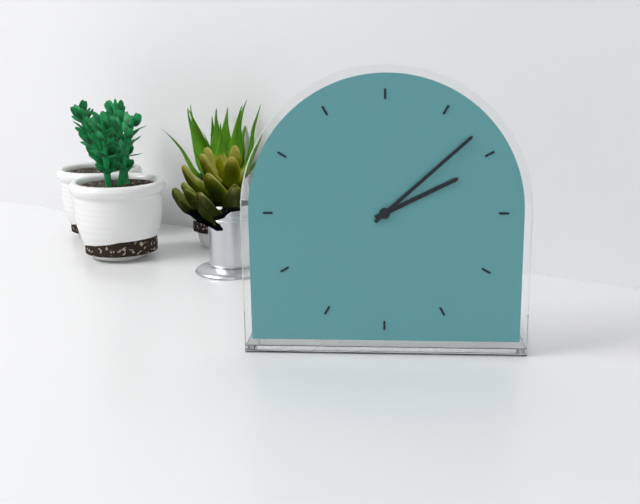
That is 2:08
